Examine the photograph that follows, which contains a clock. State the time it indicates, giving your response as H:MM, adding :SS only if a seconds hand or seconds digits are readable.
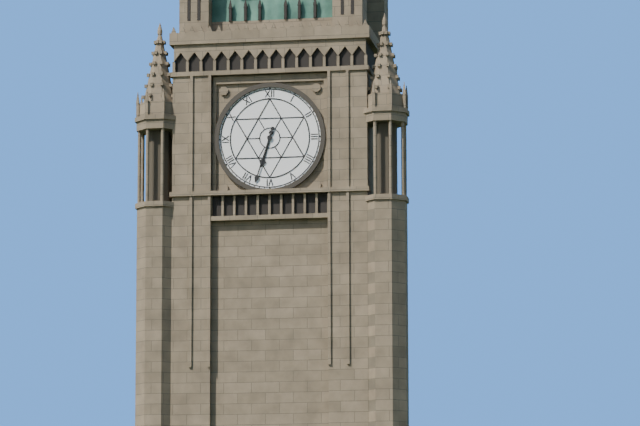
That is 6:33
